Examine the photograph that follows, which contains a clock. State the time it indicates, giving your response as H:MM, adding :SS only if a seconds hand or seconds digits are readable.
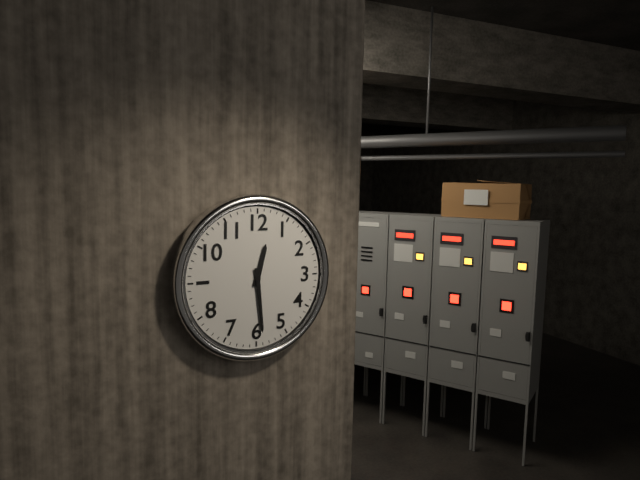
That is 12:29
